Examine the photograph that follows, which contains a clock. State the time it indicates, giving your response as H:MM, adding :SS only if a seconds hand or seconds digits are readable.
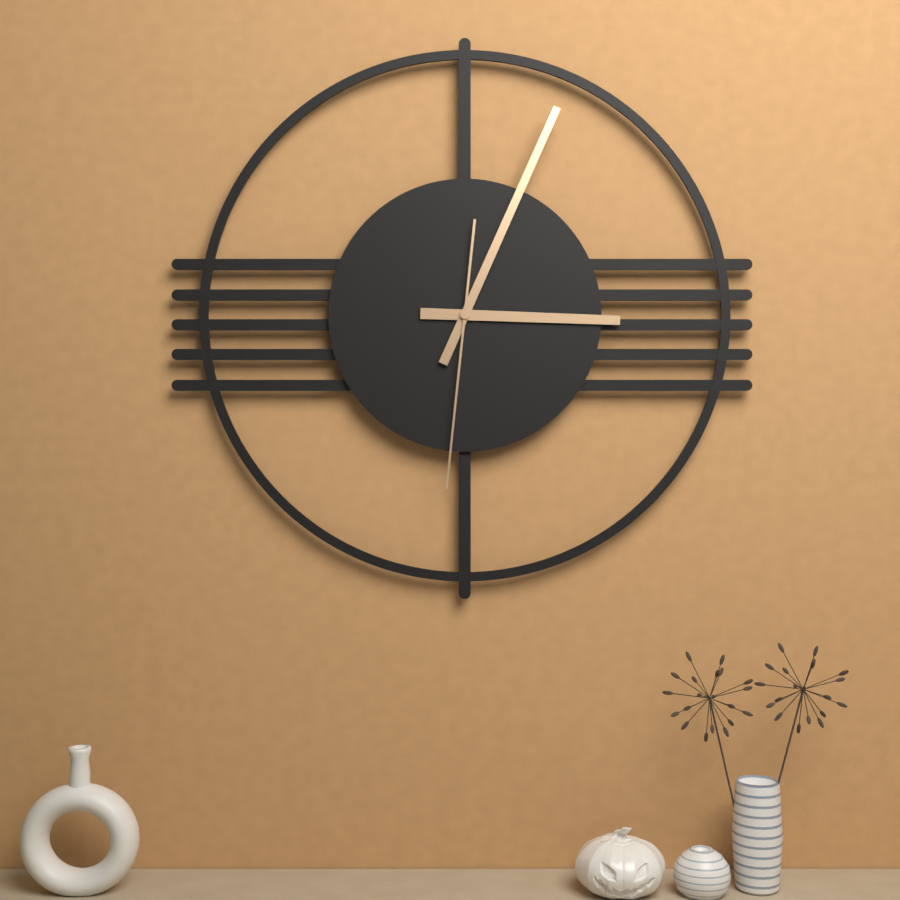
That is 3:04:31
